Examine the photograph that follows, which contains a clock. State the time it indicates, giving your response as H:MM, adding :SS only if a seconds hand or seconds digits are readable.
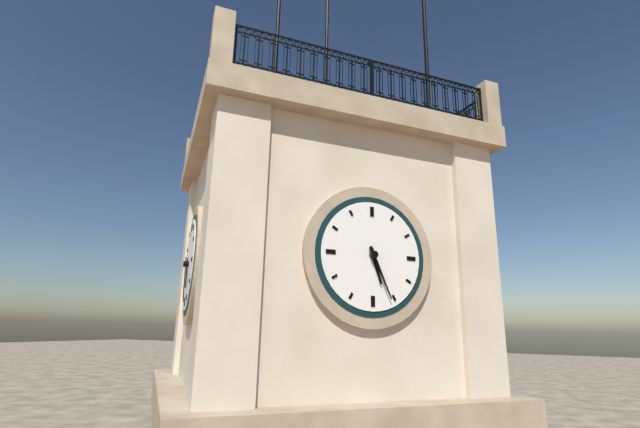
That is 5:26
